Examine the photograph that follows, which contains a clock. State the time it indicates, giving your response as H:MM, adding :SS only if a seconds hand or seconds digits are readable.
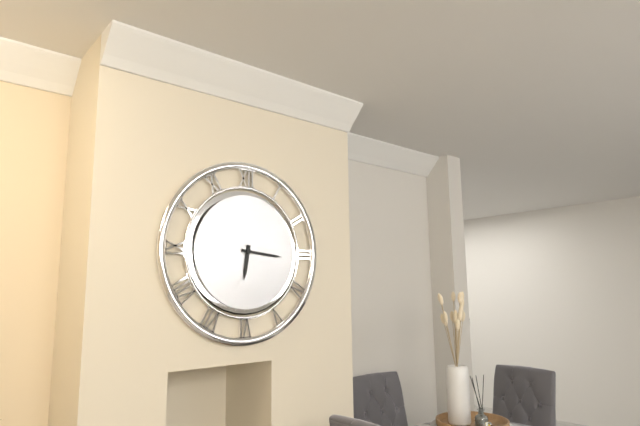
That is 6:16
